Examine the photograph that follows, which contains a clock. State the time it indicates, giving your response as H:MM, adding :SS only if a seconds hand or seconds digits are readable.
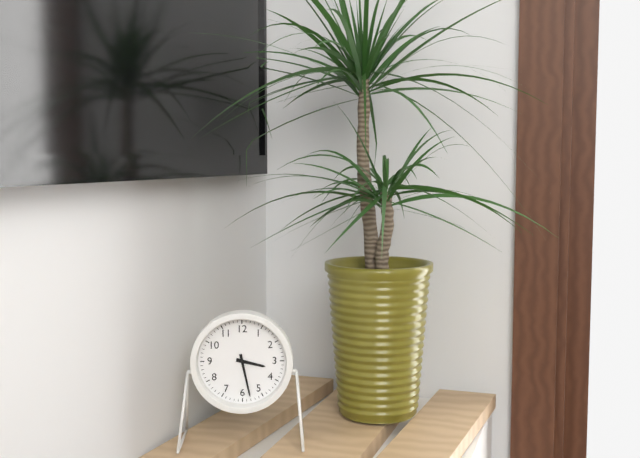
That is 3:28
